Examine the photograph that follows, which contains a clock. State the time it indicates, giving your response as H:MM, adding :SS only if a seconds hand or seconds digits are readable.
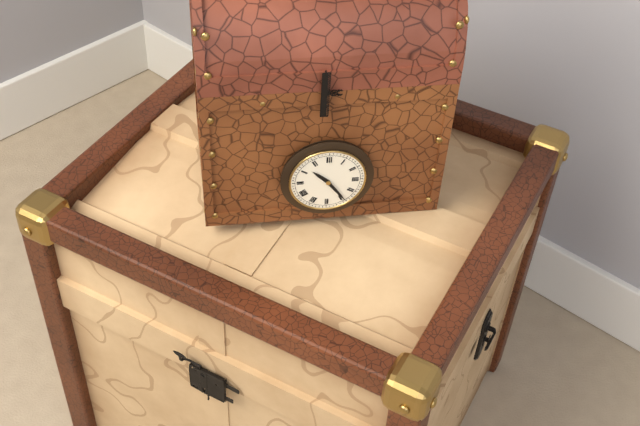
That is 10:24
